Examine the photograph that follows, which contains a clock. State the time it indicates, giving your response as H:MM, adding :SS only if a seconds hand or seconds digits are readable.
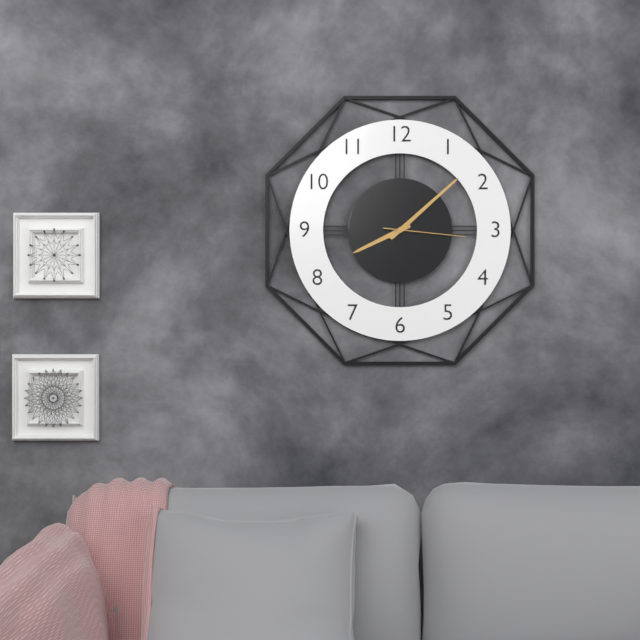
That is 8:08:16
